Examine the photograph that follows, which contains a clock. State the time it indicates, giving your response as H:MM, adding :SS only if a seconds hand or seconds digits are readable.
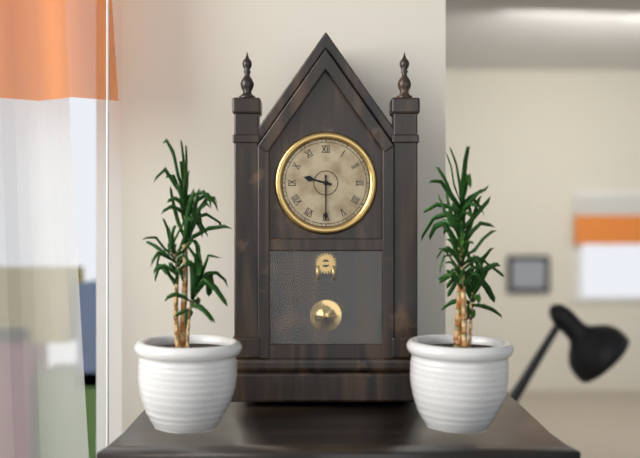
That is 9:30
